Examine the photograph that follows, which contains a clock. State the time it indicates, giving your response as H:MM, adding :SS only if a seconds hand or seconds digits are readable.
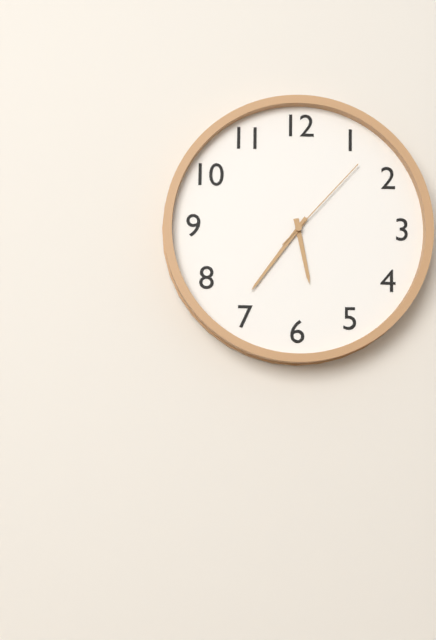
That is 5:36:07
